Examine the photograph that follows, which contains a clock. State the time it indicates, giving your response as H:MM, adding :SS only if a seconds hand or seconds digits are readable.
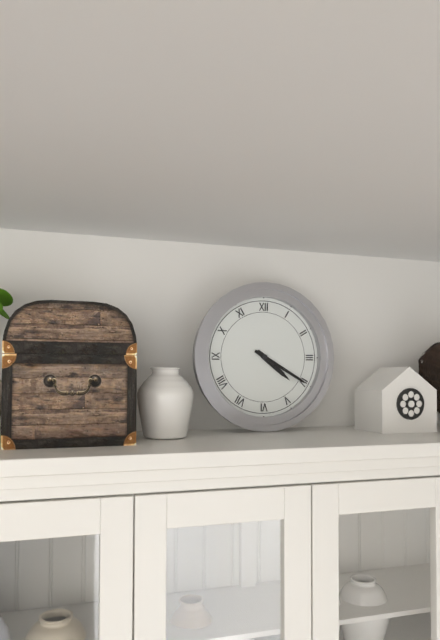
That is 4:20
